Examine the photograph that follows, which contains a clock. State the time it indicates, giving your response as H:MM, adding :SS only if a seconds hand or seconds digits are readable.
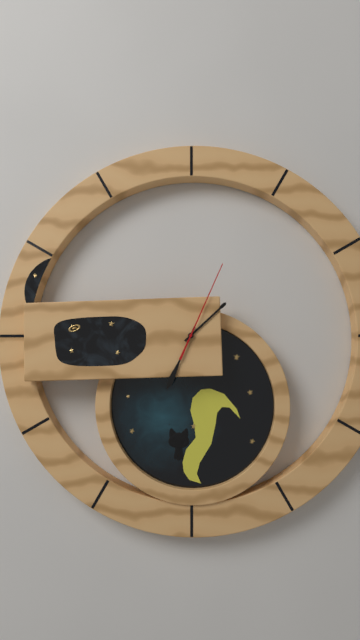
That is 1:34:04
